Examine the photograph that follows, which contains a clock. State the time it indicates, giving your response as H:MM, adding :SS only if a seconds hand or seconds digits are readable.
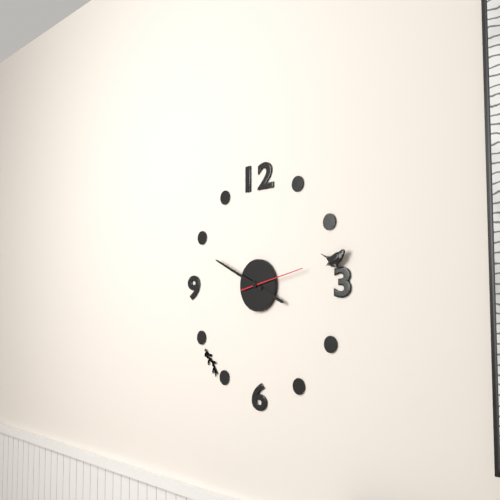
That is 3:49:13
